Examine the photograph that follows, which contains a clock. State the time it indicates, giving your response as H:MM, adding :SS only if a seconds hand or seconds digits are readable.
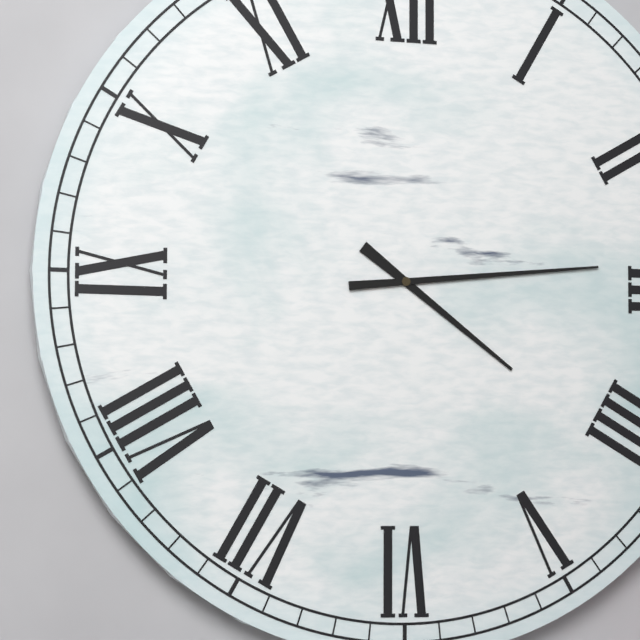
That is 4:14
